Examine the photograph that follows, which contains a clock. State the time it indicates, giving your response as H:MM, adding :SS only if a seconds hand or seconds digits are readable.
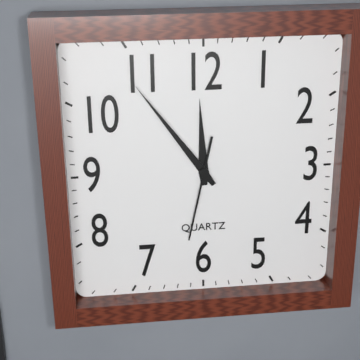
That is 11:54:32
